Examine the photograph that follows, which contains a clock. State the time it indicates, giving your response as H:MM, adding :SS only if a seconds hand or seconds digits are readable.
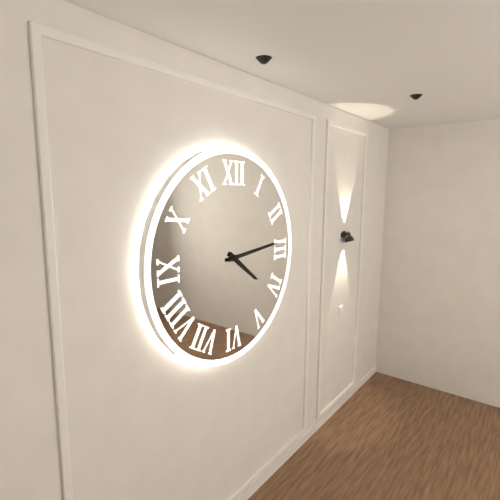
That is 4:14
